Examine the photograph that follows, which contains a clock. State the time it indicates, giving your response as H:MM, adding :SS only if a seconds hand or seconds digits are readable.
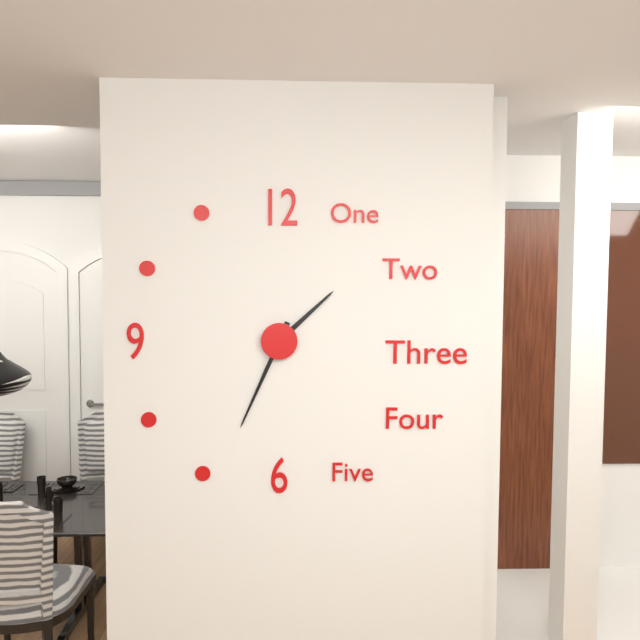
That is 1:34
